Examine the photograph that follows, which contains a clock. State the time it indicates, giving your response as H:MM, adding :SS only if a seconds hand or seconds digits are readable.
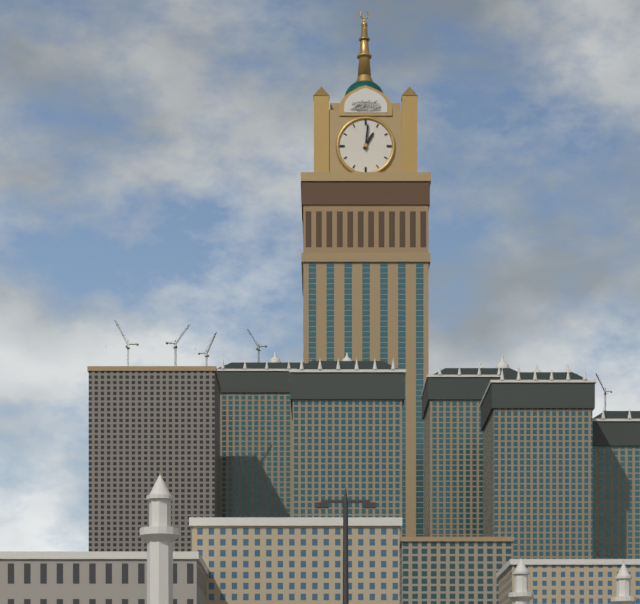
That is 1:01
